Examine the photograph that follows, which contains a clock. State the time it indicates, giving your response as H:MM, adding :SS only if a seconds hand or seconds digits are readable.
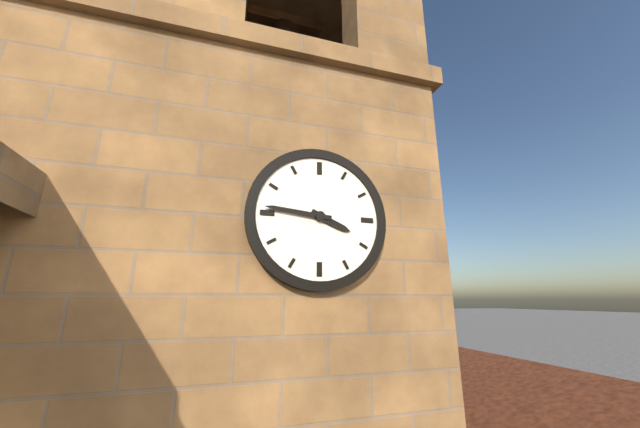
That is 3:46
